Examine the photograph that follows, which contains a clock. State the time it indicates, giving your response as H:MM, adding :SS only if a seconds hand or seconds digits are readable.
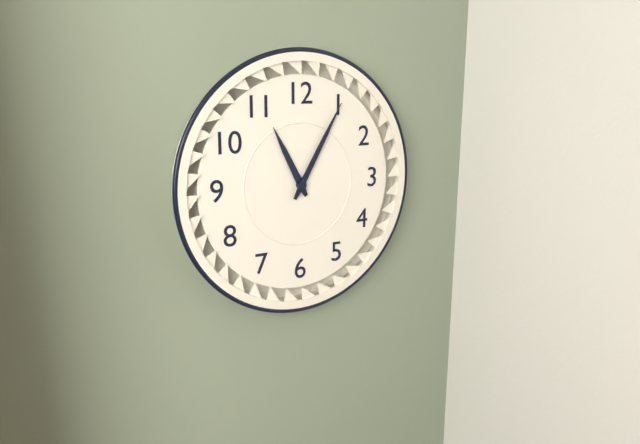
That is 11:05
